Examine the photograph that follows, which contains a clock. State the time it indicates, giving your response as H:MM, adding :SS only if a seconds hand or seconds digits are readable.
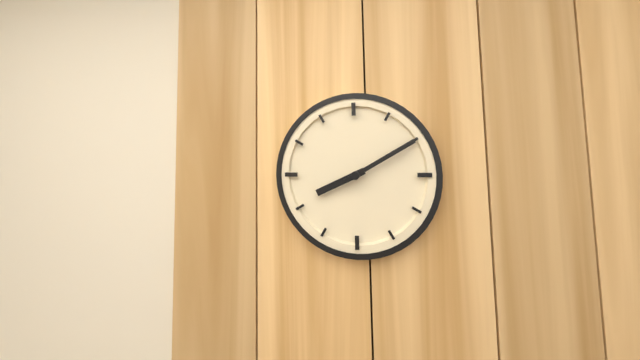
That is 8:10
